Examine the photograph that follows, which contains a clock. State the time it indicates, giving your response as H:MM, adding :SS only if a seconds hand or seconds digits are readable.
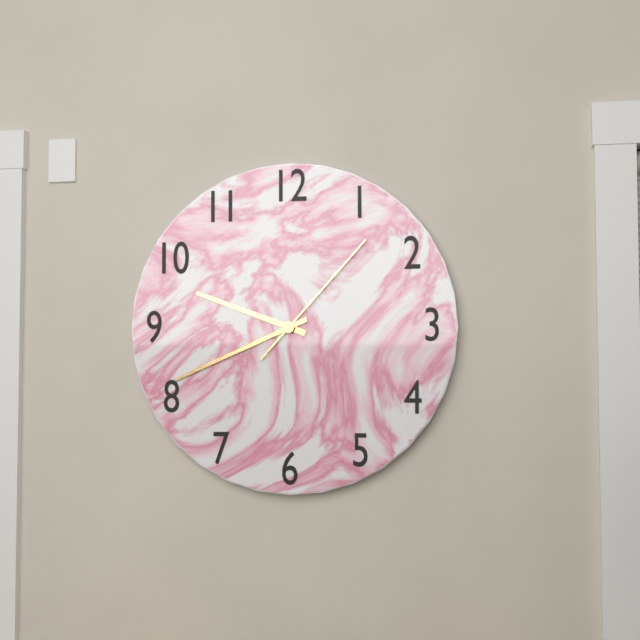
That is 9:41:07
